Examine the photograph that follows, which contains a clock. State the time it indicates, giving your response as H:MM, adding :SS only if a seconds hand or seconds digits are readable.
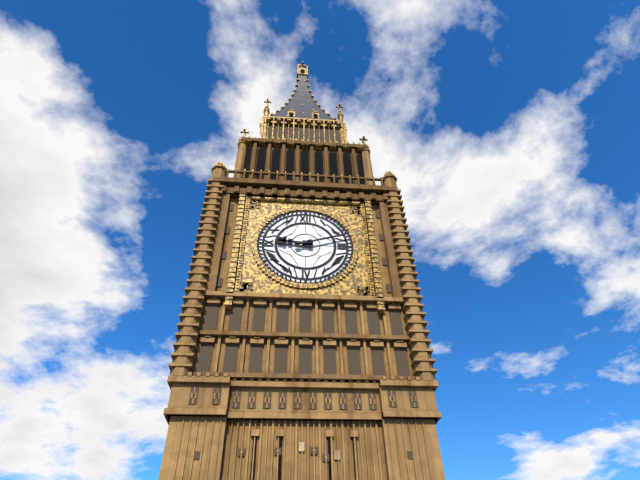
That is 9:12
